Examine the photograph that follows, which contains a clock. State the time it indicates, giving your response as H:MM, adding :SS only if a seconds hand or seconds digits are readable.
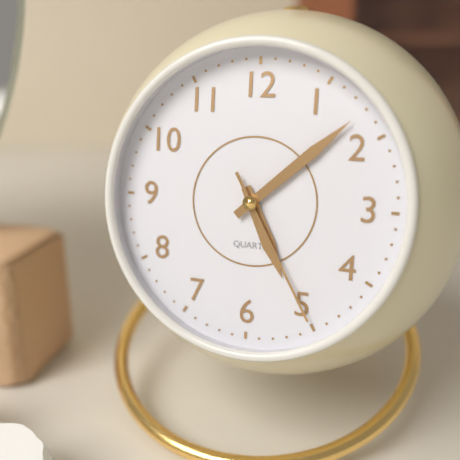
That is 5:08:25
